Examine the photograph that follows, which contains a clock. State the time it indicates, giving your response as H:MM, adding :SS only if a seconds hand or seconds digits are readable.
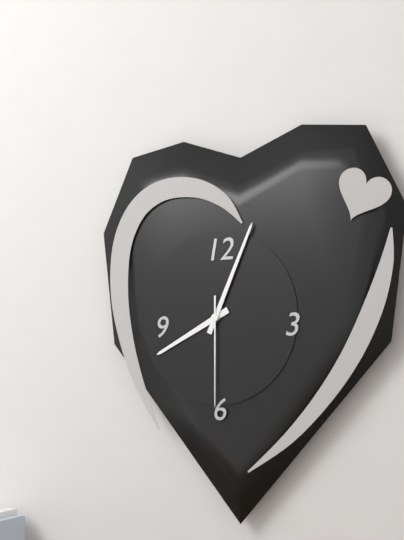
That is 8:04:30
